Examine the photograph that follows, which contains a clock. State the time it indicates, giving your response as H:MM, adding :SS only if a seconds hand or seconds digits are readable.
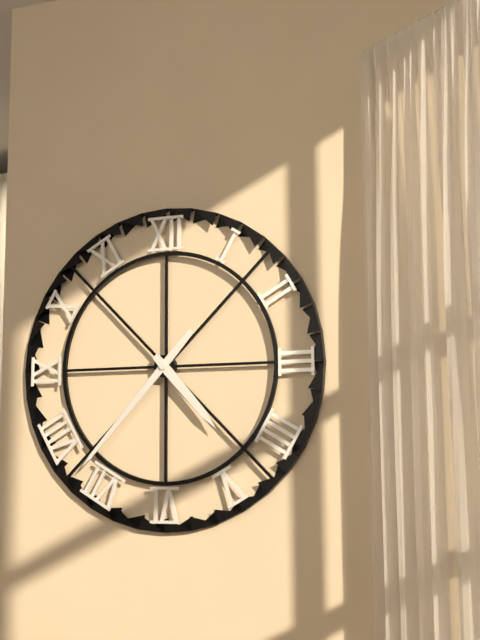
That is 4:37
